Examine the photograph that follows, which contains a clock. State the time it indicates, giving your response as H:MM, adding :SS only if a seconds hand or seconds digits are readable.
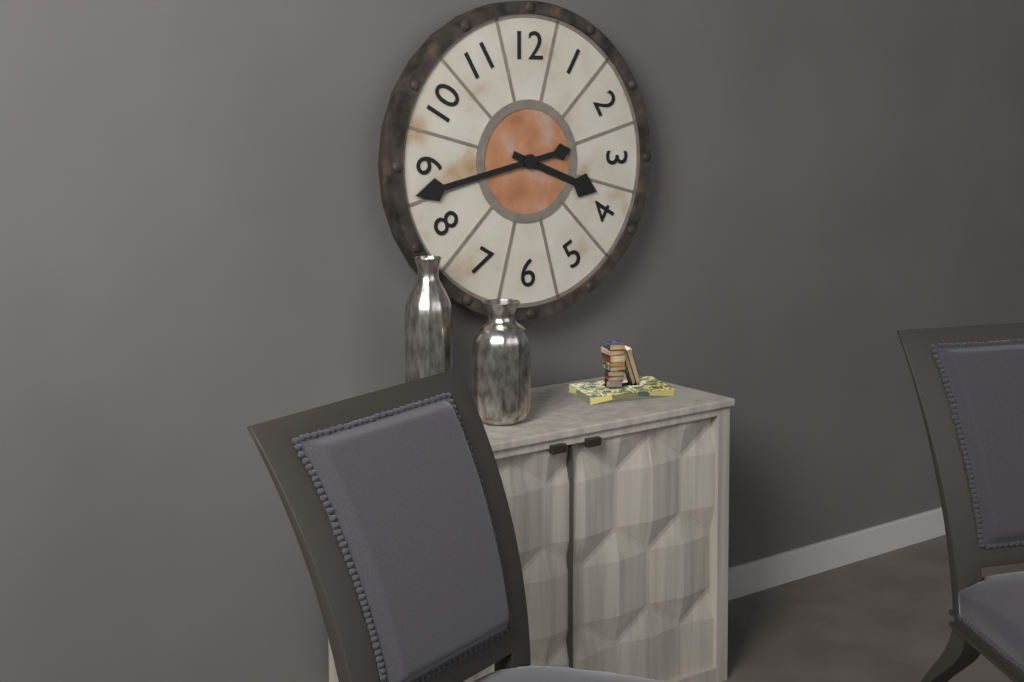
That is 3:43
